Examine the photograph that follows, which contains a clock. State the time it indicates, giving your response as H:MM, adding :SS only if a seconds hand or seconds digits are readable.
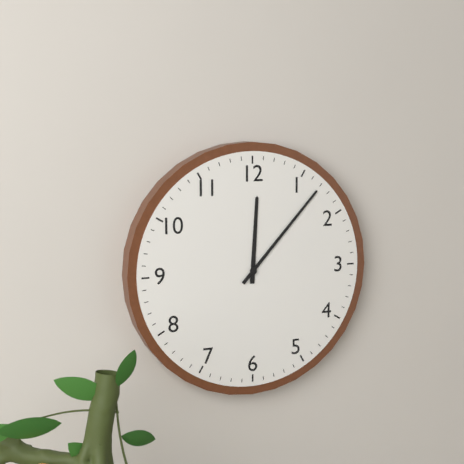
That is 12:07
